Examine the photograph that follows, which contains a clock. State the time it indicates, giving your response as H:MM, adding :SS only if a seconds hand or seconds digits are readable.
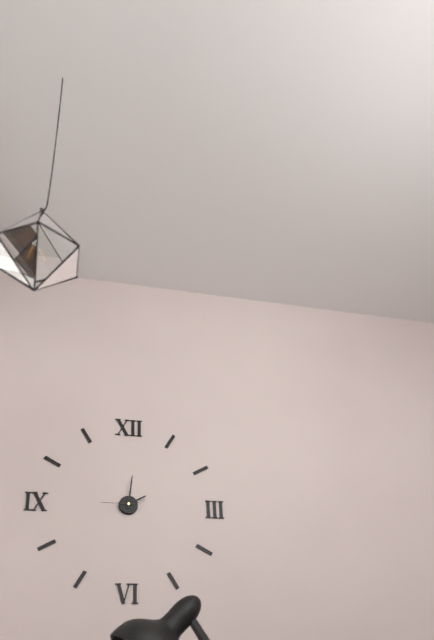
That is 2:01
